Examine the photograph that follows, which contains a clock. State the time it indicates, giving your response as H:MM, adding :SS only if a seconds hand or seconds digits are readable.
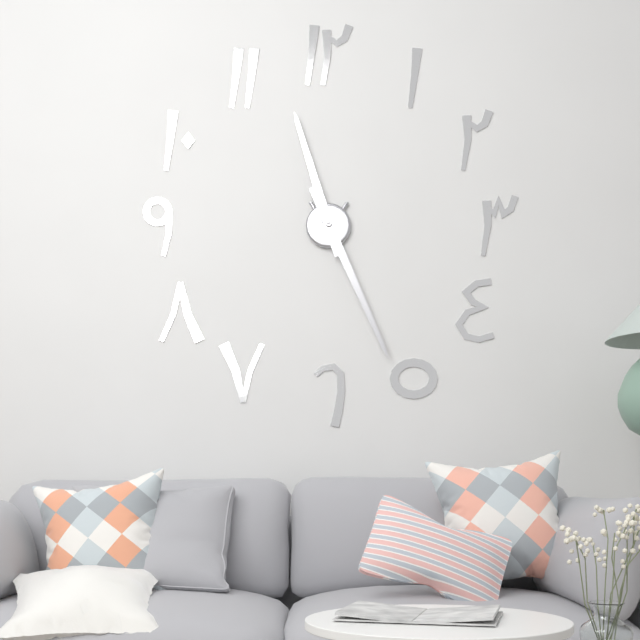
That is 11:26
